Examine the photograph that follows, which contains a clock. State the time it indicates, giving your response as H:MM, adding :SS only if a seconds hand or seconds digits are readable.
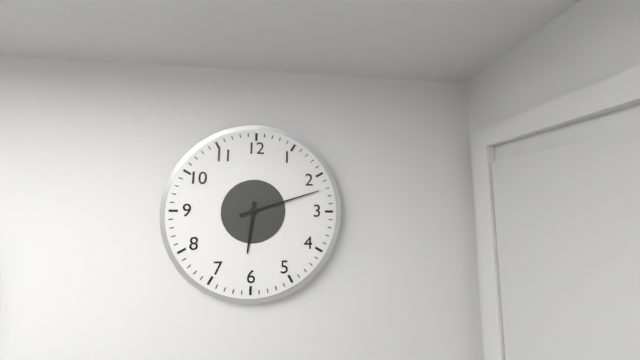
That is 6:12
